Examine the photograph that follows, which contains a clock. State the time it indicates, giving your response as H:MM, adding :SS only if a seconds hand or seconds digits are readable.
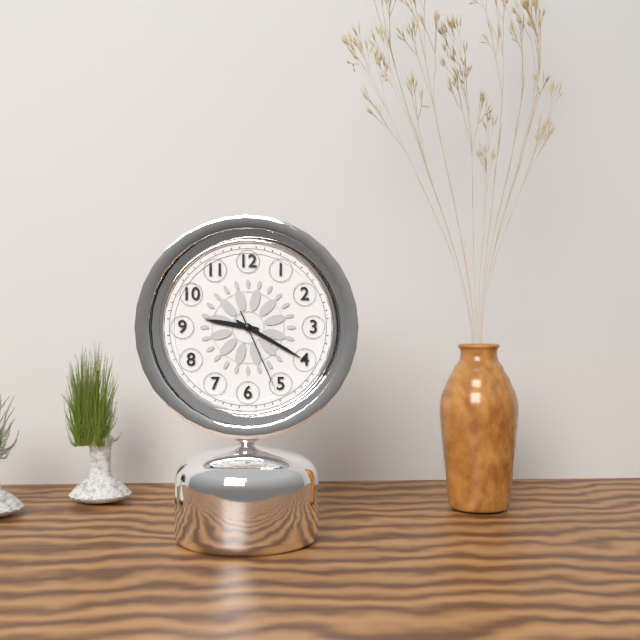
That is 9:20:26
